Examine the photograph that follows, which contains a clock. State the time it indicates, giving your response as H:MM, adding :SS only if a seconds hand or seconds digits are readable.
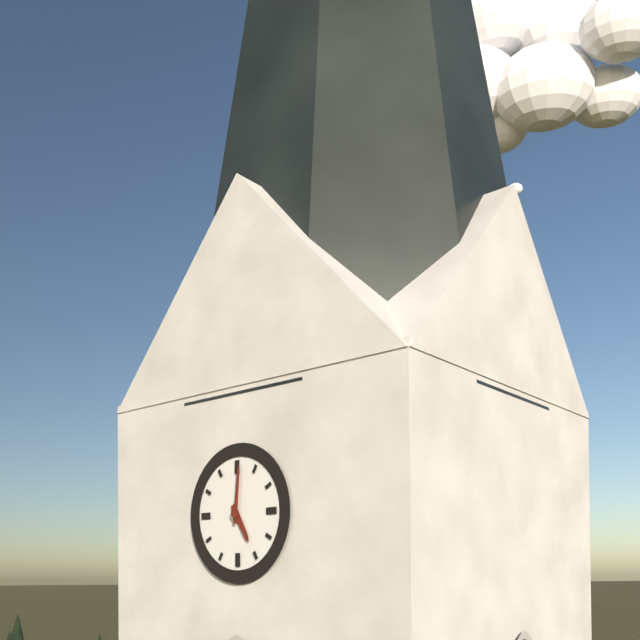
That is 5:01
